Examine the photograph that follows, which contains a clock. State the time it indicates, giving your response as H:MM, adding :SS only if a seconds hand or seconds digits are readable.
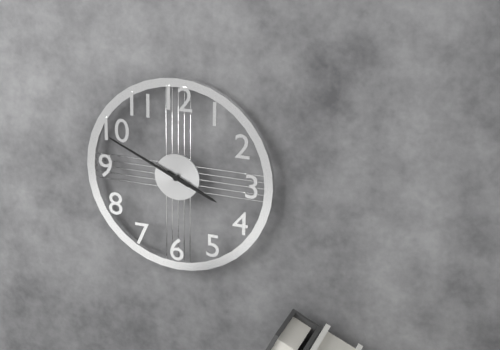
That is 3:49
